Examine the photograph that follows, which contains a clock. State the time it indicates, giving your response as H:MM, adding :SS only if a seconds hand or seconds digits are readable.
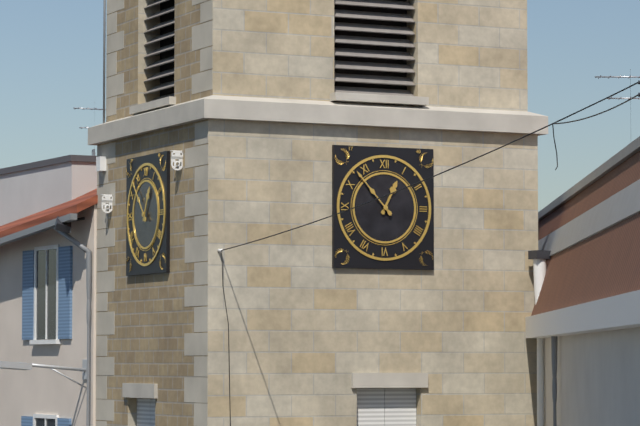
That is 12:53
